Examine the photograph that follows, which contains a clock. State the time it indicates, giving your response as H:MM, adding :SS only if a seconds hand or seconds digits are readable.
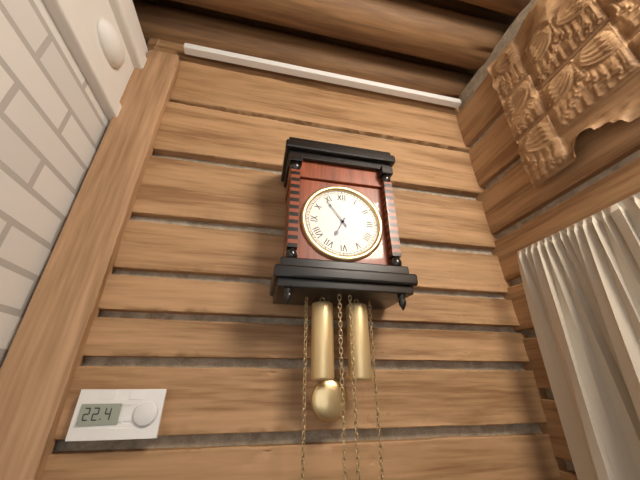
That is 6:54
